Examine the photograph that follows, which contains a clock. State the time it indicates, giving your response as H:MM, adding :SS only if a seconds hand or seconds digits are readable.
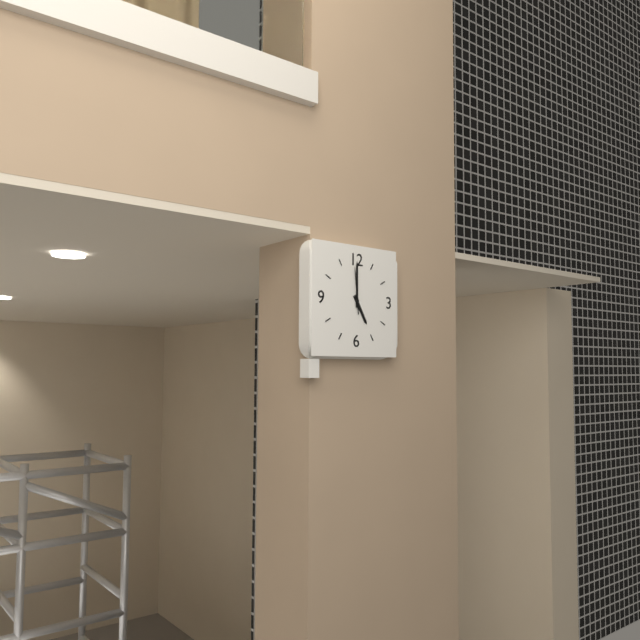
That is 5:00
